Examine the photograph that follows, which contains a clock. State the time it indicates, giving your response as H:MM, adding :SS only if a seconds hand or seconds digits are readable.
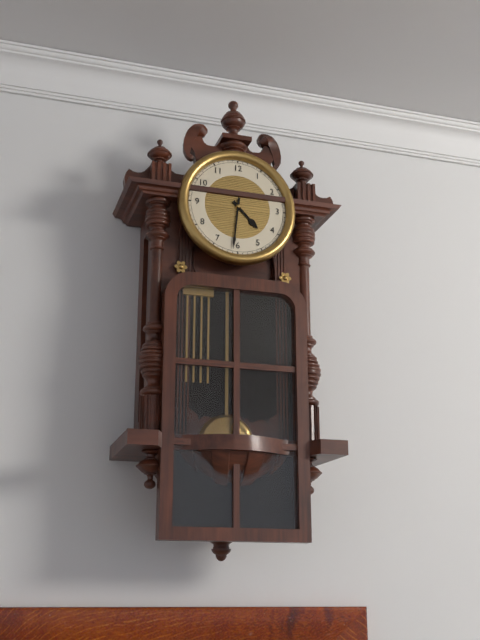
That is 4:31
